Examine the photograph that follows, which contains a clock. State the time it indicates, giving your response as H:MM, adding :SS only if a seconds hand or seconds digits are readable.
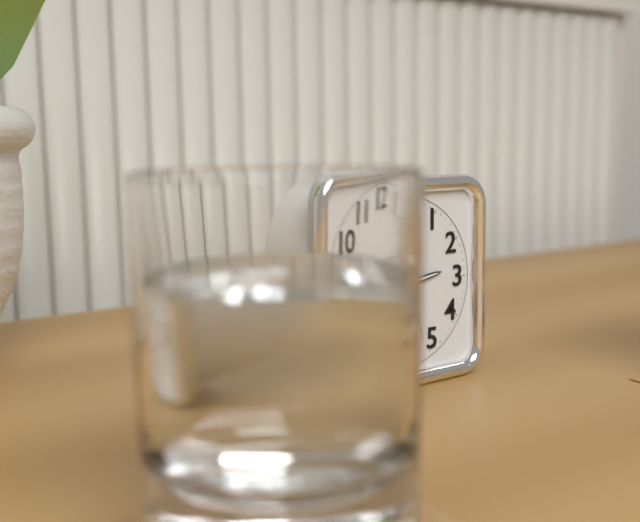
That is 2:41:27
